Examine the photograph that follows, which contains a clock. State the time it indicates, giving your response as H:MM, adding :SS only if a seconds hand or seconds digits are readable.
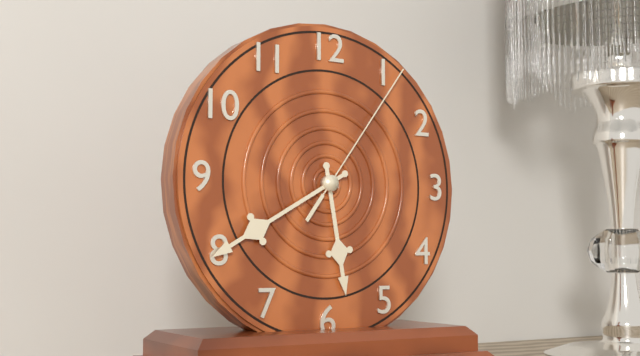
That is 5:40:06
